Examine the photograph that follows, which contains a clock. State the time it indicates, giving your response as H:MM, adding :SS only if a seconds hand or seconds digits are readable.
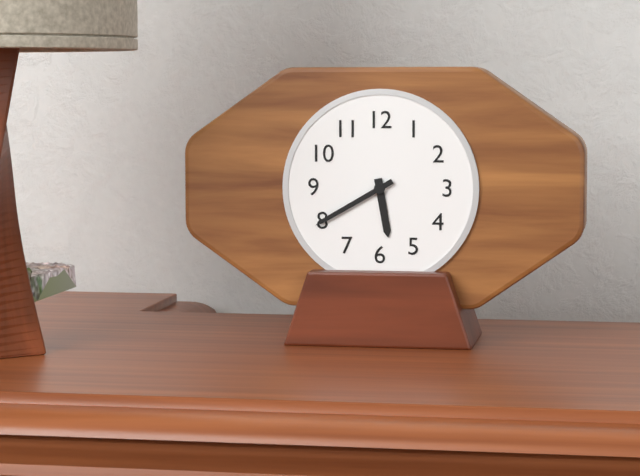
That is 5:40
